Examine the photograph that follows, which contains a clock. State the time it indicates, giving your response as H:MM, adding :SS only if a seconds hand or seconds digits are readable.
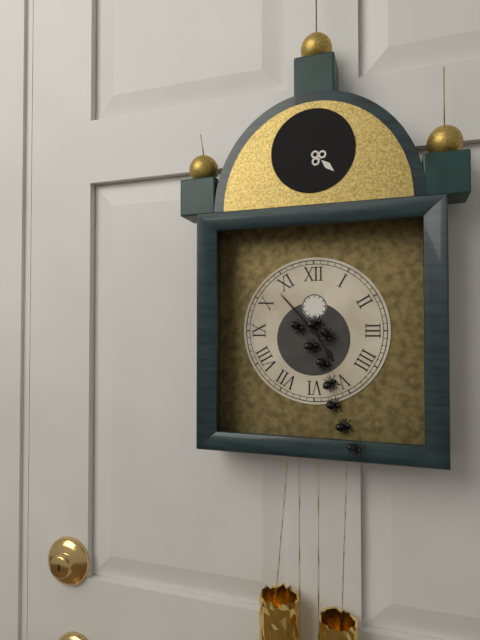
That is 4:53
